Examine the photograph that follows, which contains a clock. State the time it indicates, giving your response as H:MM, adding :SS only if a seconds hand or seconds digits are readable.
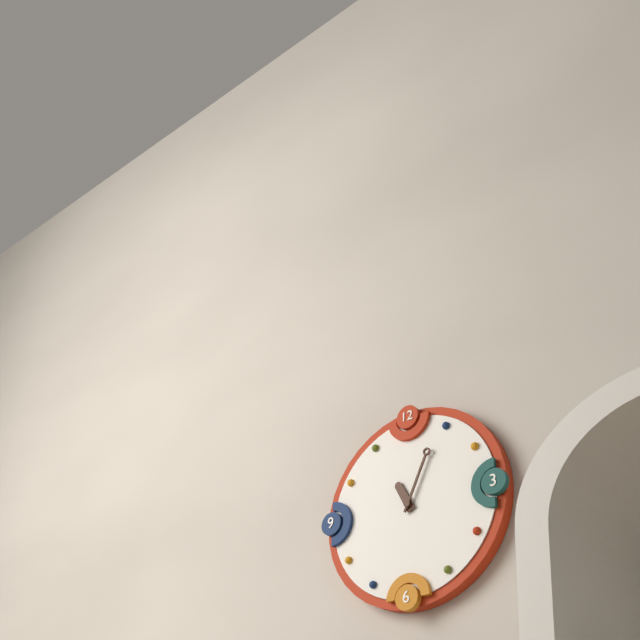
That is 11:04
